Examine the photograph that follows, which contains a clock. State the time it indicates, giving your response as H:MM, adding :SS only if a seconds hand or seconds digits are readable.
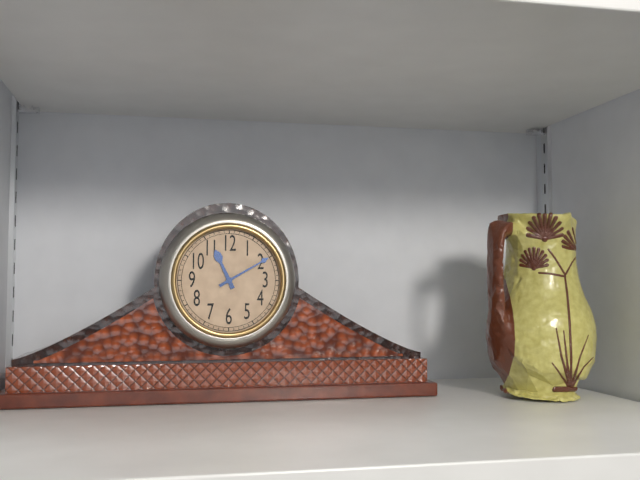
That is 11:10
